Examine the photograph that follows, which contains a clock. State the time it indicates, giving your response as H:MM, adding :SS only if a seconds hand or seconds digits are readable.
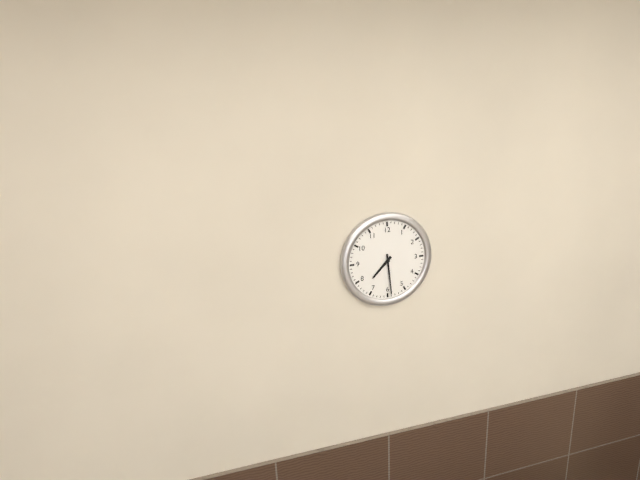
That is 7:29
